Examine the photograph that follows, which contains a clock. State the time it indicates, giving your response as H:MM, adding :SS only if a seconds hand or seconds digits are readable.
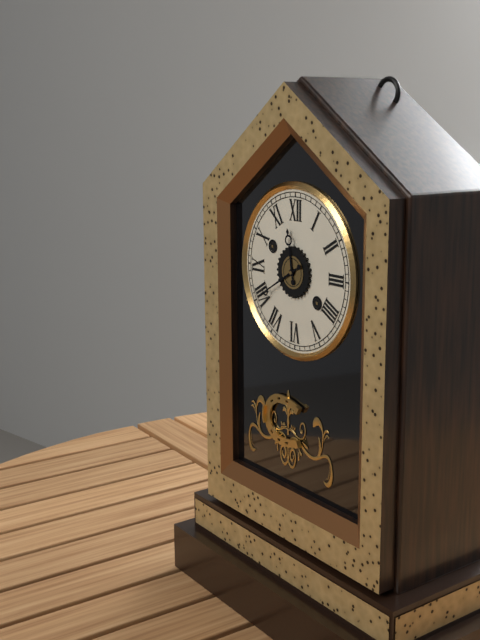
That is 11:40
